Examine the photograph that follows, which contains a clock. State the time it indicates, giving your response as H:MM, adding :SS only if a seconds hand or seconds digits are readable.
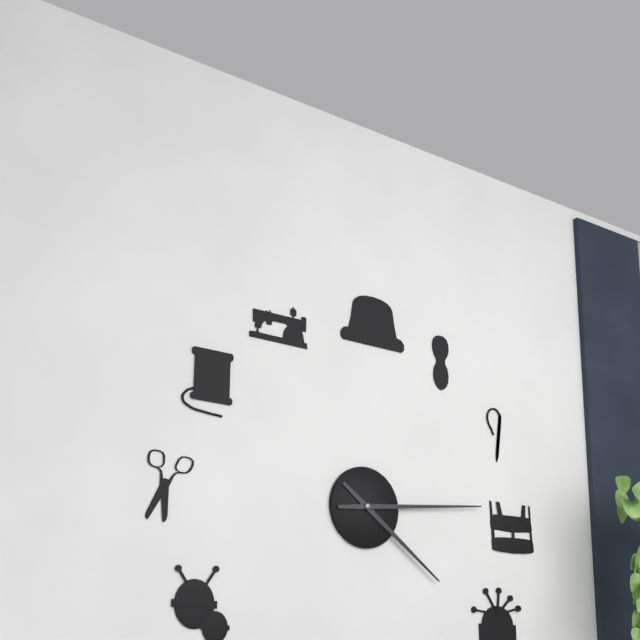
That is 4:14
